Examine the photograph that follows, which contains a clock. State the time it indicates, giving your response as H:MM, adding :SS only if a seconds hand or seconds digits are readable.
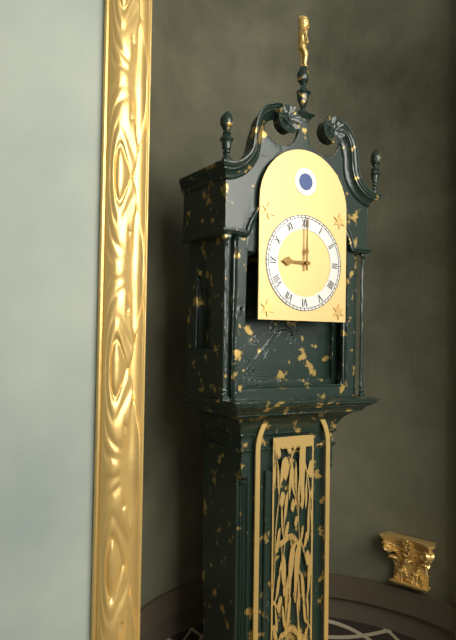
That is 9:00
